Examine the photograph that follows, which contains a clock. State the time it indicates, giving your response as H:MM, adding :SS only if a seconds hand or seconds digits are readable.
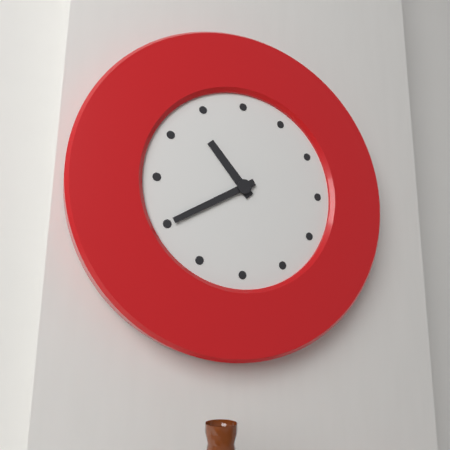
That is 10:40
